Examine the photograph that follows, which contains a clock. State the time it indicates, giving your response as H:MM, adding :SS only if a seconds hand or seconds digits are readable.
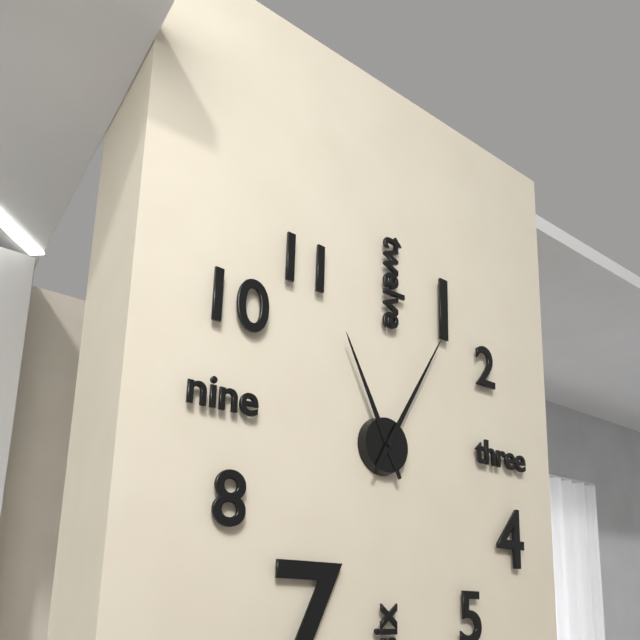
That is 11:05
